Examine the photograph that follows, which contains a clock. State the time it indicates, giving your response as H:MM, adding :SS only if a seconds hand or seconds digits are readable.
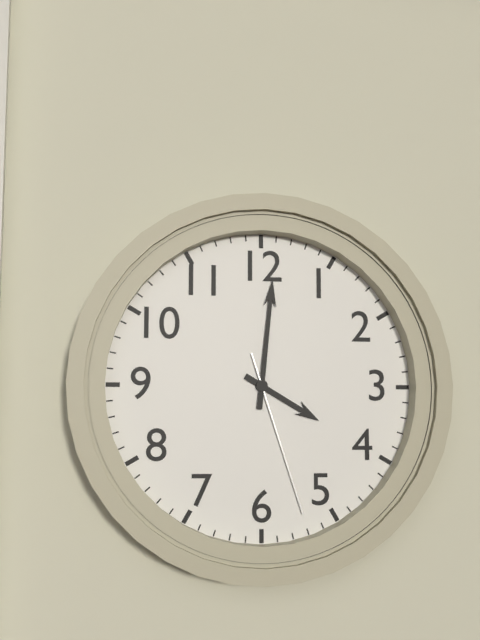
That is 4:01:27
